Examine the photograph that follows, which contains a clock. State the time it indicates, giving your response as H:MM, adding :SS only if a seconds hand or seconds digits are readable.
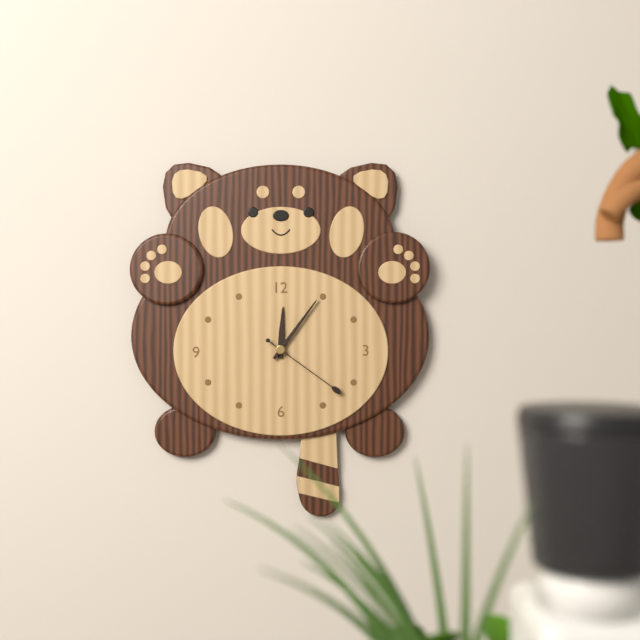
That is 12:06:21
